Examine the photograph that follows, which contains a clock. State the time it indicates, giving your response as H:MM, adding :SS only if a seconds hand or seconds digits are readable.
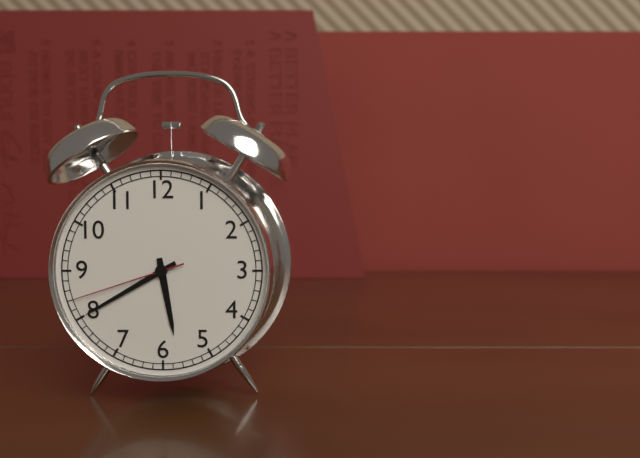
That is 5:40:42
